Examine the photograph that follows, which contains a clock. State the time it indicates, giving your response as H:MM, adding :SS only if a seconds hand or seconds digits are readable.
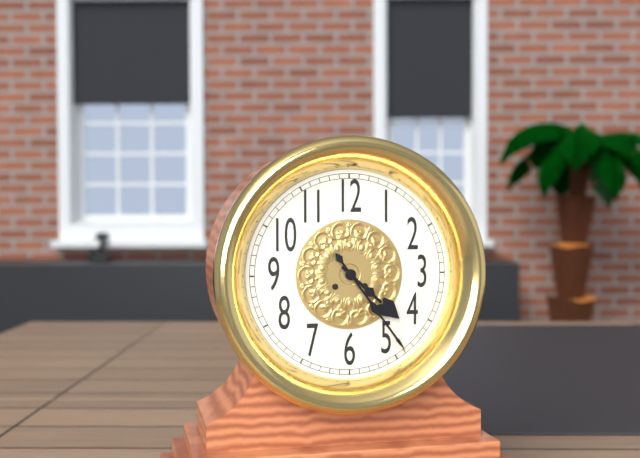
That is 4:24
